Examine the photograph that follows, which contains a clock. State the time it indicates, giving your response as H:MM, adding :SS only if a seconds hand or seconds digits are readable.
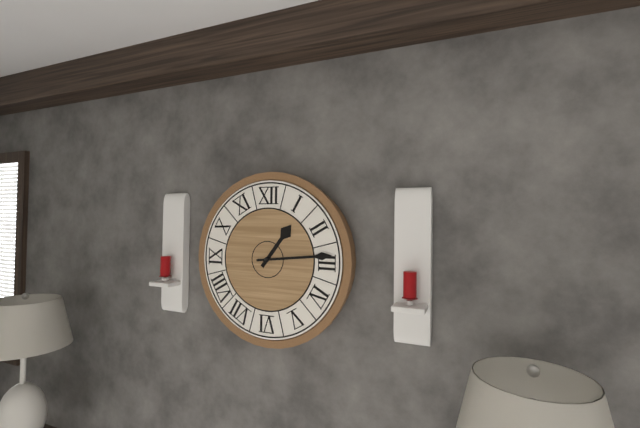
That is 1:14
